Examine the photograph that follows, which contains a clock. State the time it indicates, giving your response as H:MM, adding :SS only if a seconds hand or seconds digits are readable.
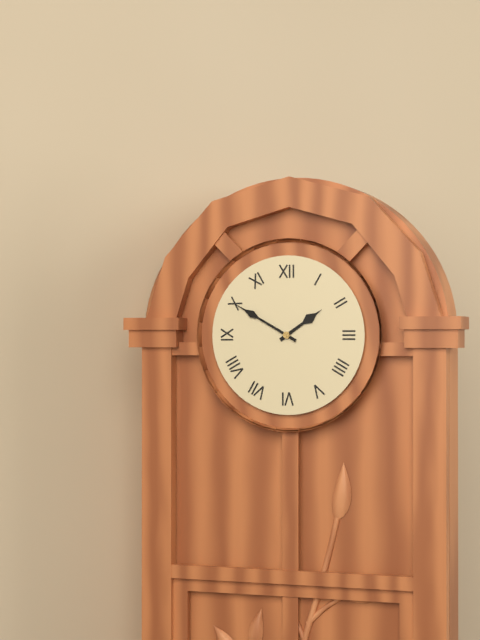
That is 1:50
